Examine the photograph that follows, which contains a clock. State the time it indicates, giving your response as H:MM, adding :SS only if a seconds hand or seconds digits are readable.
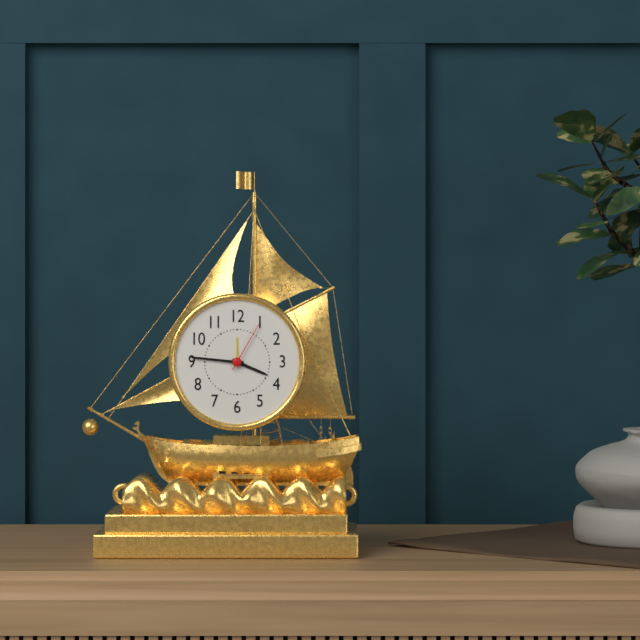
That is 3:46:05
